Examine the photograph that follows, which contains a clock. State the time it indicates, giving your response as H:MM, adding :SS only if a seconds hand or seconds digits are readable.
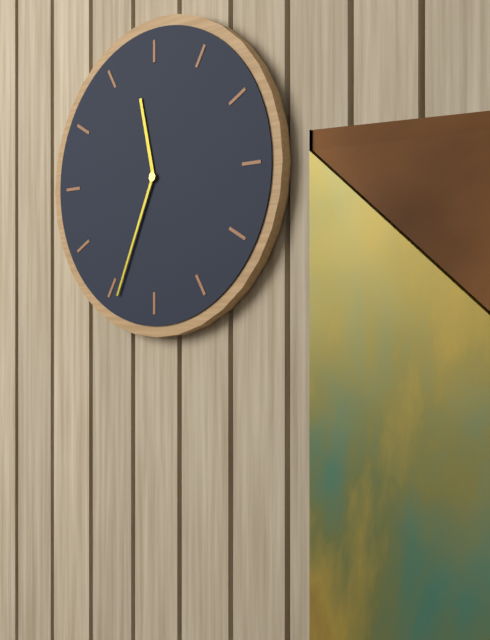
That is 11:34
